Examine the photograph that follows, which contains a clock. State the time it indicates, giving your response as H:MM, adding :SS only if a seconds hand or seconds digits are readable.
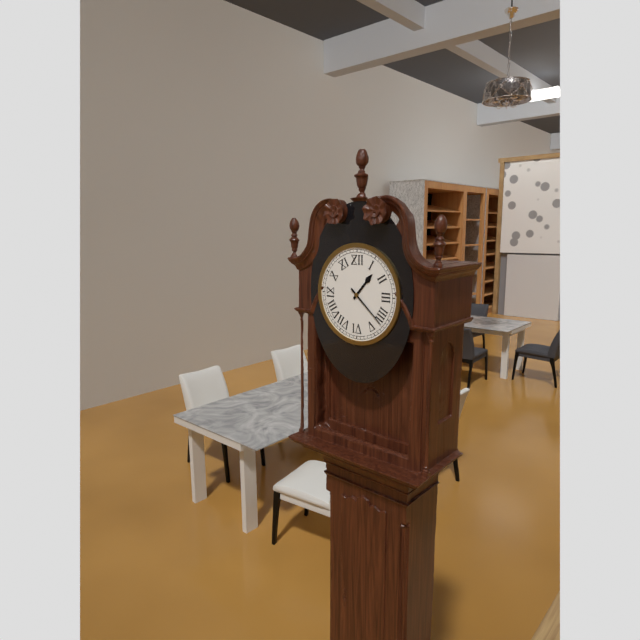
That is 1:22
